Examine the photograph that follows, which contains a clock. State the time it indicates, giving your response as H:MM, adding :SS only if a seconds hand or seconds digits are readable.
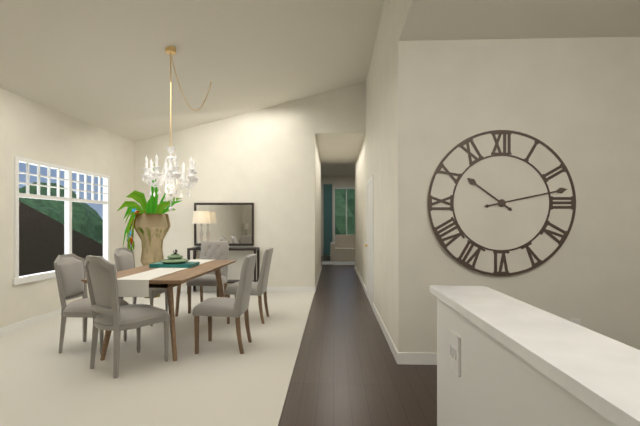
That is 10:13
